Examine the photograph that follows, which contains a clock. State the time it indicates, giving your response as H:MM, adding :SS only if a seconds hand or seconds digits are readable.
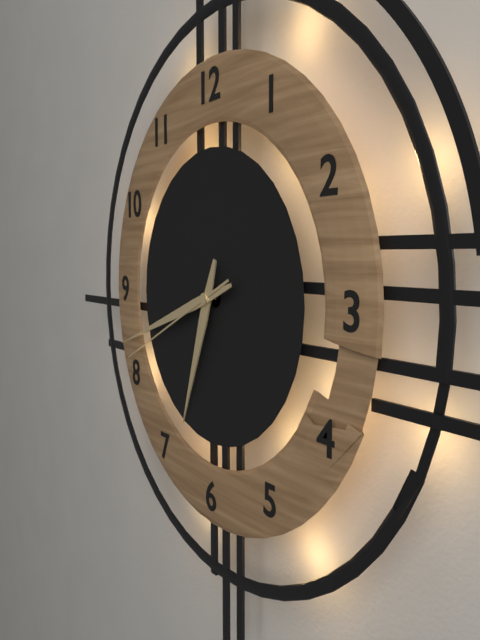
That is 6:42:41
